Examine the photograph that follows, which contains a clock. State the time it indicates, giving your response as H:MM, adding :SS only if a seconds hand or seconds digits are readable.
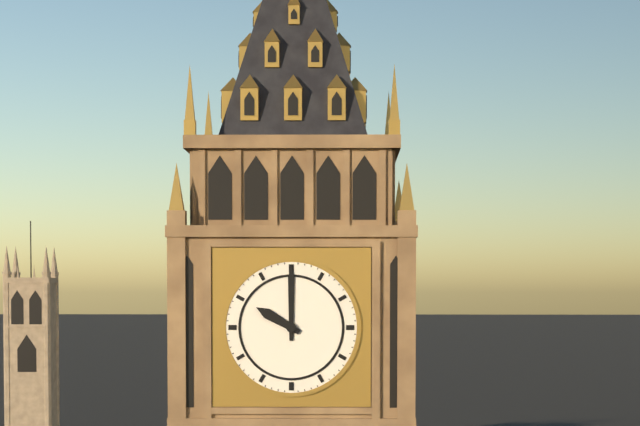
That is 10:00
